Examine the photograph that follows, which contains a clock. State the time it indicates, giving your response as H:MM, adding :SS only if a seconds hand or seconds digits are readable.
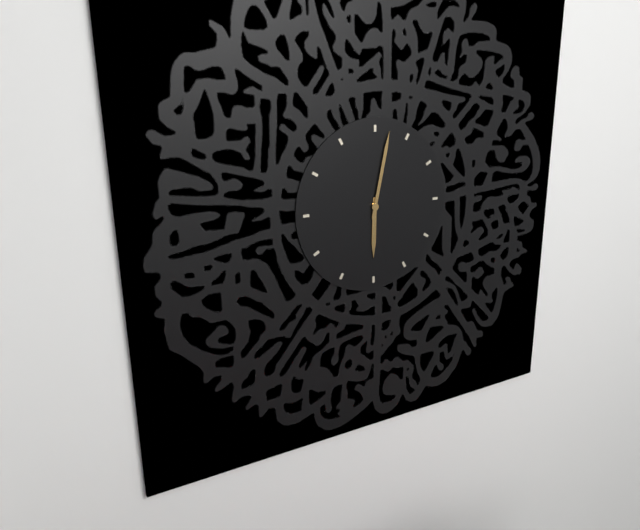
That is 6:02
